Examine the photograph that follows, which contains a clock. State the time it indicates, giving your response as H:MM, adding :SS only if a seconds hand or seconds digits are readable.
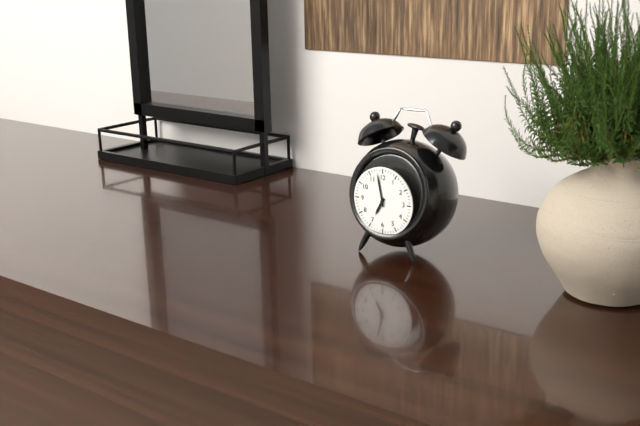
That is 6:58
